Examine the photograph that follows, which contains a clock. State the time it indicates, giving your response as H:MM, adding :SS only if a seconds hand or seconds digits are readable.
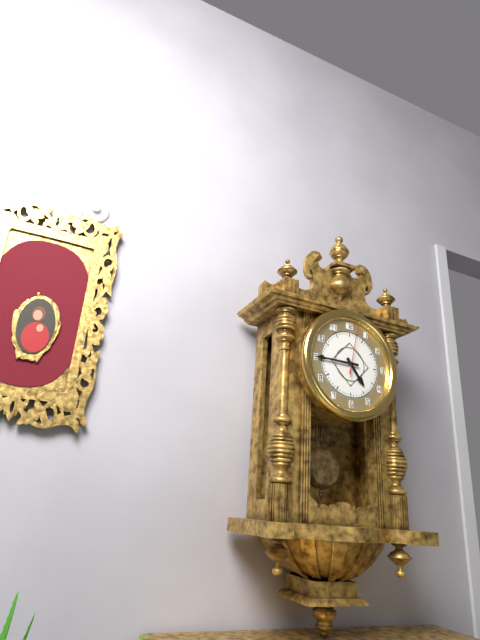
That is 4:45
